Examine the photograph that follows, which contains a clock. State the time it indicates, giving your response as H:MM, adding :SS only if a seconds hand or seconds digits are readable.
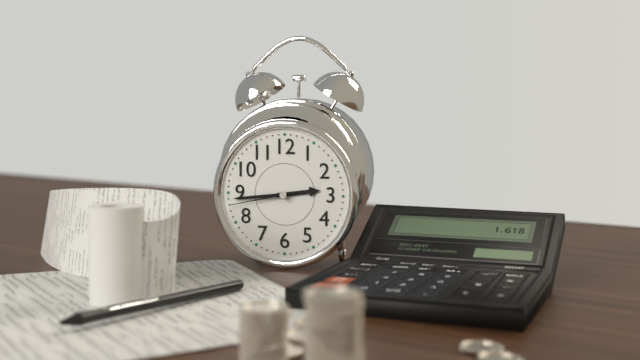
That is 2:44:43
